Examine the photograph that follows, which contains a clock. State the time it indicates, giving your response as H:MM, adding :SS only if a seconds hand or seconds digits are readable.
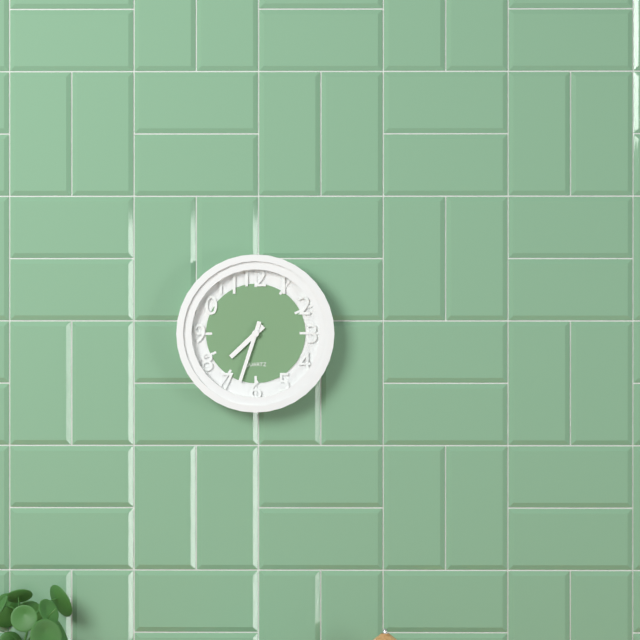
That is 7:33
